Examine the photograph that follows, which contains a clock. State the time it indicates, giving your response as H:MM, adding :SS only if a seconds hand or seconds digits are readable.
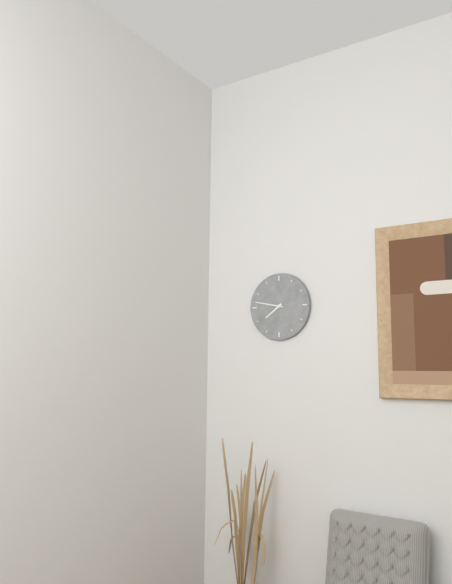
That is 7:47
